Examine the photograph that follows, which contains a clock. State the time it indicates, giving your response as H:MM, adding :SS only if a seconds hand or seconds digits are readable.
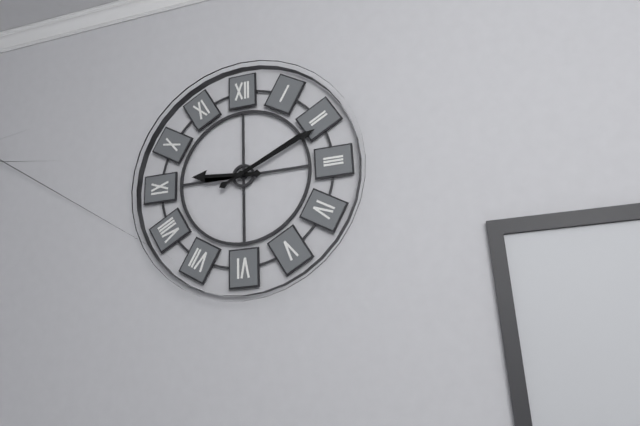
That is 9:11
